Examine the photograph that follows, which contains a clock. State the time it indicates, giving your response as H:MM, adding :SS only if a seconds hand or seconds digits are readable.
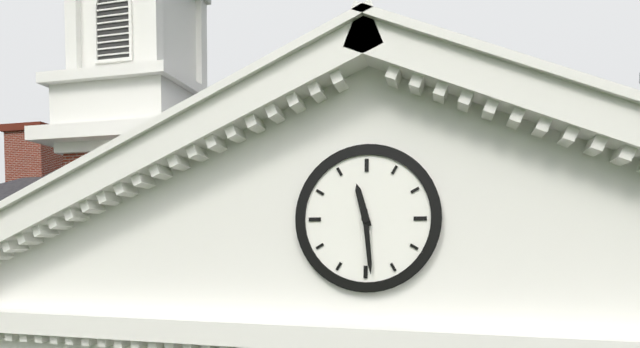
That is 11:29
